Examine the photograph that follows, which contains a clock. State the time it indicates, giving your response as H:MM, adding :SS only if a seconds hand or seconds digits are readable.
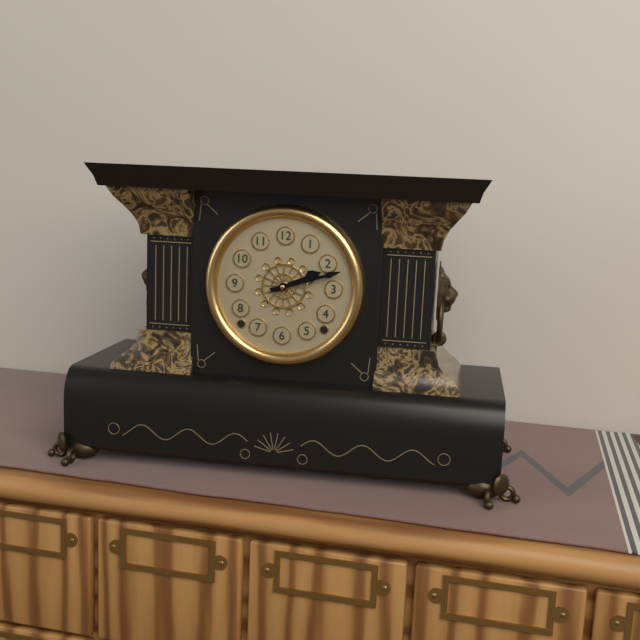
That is 2:12
